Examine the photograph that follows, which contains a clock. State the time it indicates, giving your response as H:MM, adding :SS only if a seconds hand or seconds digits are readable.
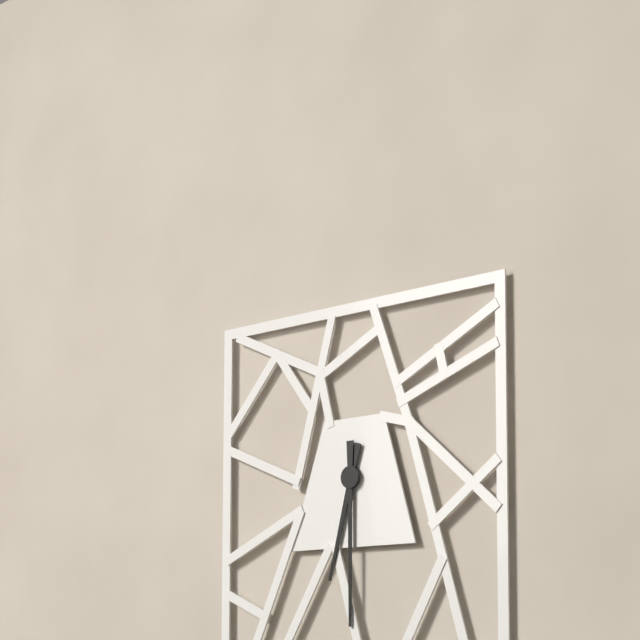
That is 6:30
